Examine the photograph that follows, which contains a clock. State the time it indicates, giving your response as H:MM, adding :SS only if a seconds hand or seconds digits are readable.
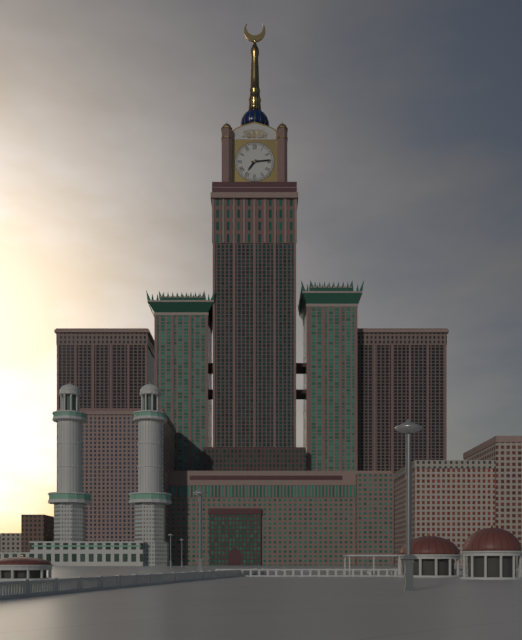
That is 7:14
